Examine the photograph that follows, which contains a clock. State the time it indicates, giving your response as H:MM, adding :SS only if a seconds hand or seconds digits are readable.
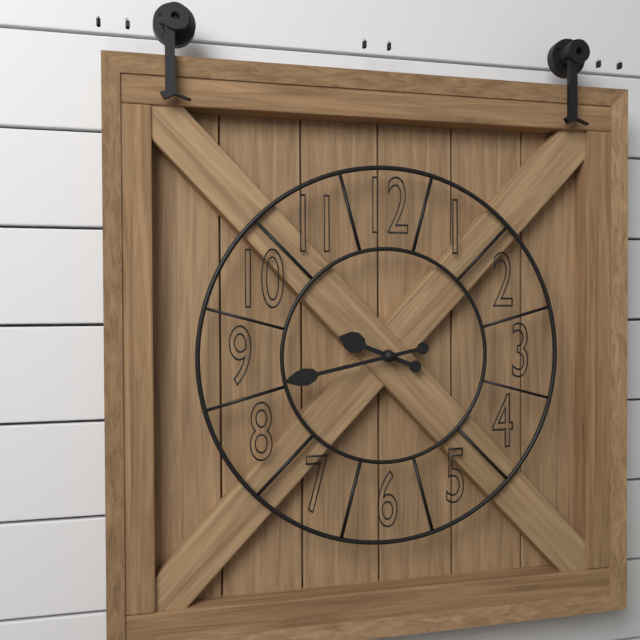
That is 9:43
